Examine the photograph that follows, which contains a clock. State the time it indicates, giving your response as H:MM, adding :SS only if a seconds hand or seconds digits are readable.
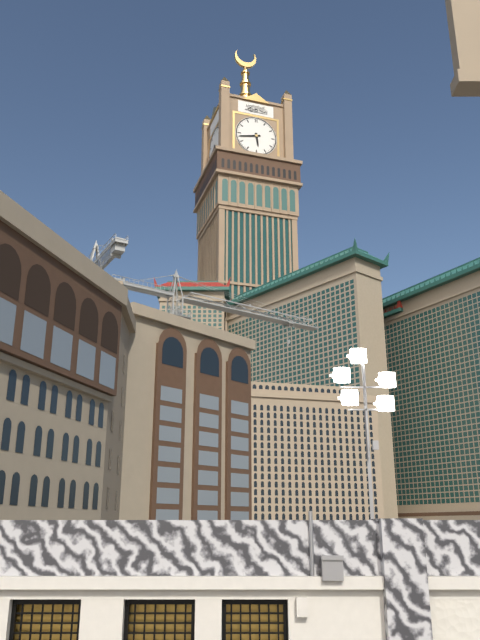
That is 5:43
